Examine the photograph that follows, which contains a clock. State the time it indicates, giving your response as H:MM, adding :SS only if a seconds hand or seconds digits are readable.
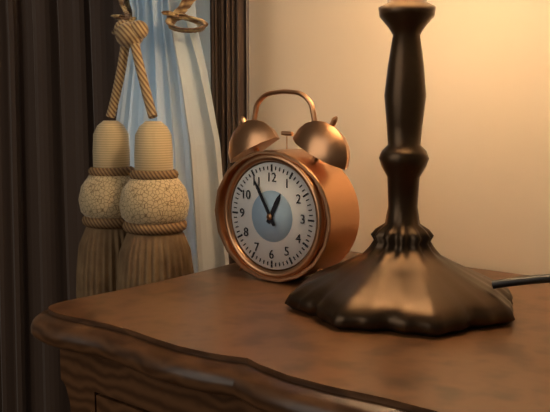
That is 12:55
